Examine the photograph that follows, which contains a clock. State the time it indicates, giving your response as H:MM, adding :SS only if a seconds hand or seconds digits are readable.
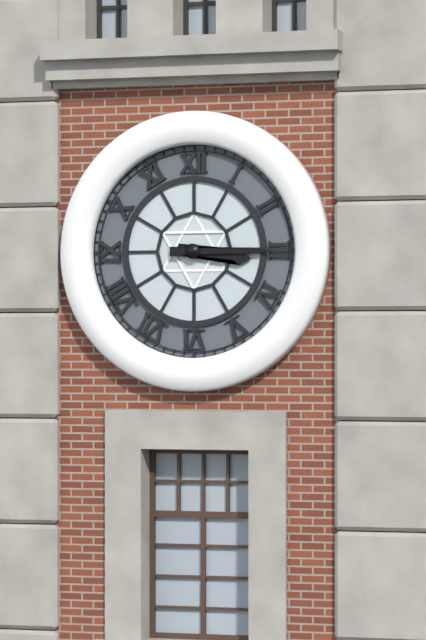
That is 3:15
